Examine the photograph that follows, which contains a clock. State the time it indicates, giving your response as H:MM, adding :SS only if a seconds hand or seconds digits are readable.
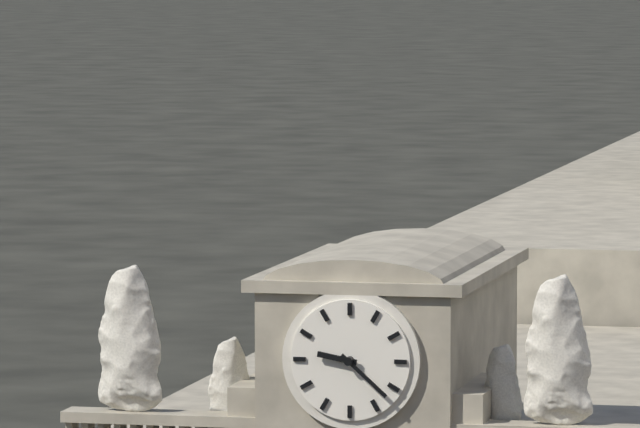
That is 9:22
